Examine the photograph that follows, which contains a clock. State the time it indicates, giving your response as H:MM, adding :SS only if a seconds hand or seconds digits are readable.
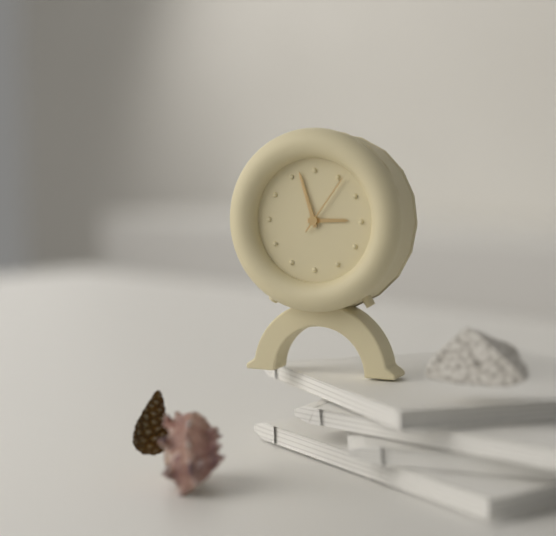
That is 2:57:06
